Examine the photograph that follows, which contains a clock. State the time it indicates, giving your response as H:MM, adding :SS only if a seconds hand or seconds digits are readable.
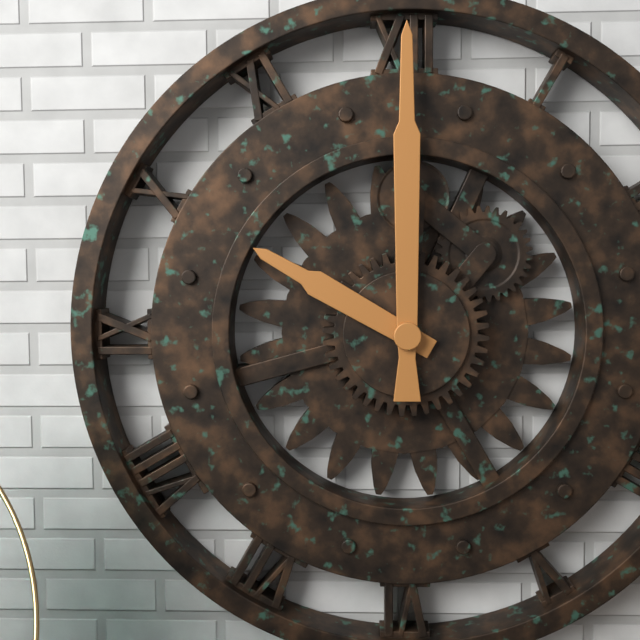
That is 10:00
